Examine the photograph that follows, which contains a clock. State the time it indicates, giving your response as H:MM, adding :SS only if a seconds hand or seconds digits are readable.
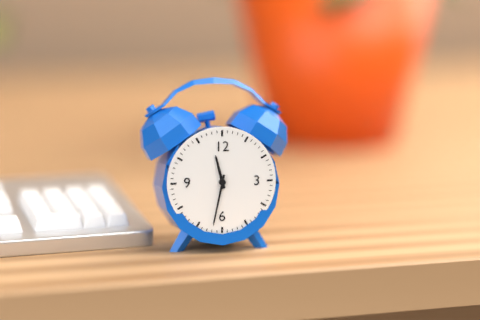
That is 11:32
